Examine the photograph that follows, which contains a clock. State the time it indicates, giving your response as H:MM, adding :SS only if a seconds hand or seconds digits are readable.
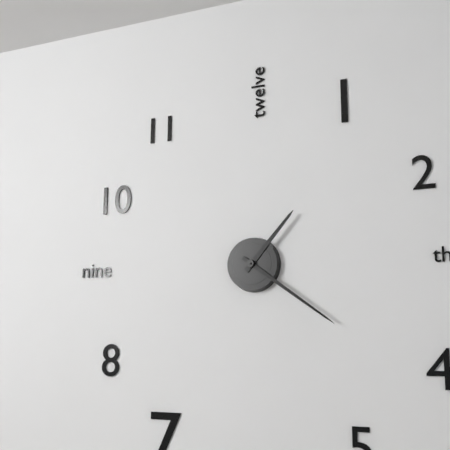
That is 1:21
